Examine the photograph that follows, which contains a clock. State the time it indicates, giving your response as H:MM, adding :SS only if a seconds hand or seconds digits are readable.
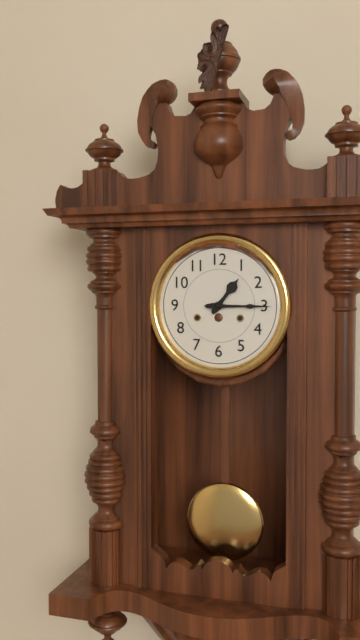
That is 1:15
